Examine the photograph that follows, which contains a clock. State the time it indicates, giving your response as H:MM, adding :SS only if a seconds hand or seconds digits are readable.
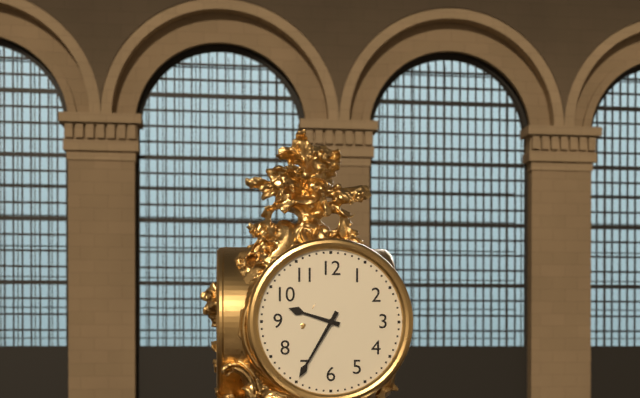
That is 9:35
